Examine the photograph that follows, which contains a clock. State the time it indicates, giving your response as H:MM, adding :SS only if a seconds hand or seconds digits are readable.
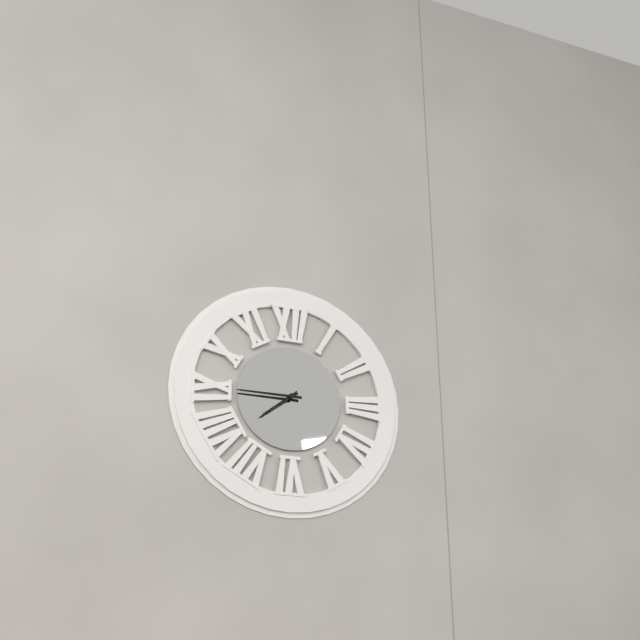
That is 7:45
